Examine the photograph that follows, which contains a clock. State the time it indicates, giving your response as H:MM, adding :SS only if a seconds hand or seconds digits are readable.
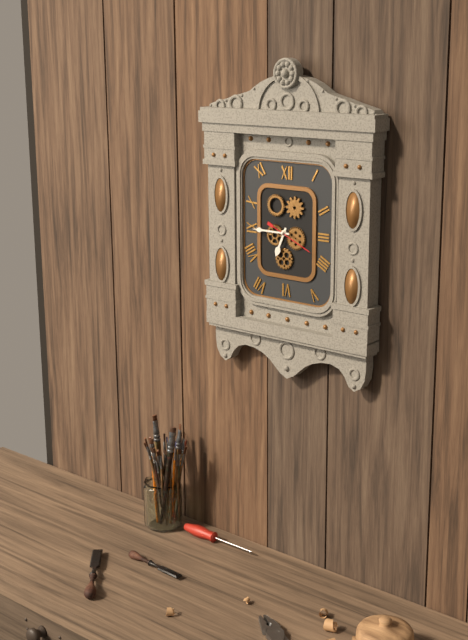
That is 6:45
